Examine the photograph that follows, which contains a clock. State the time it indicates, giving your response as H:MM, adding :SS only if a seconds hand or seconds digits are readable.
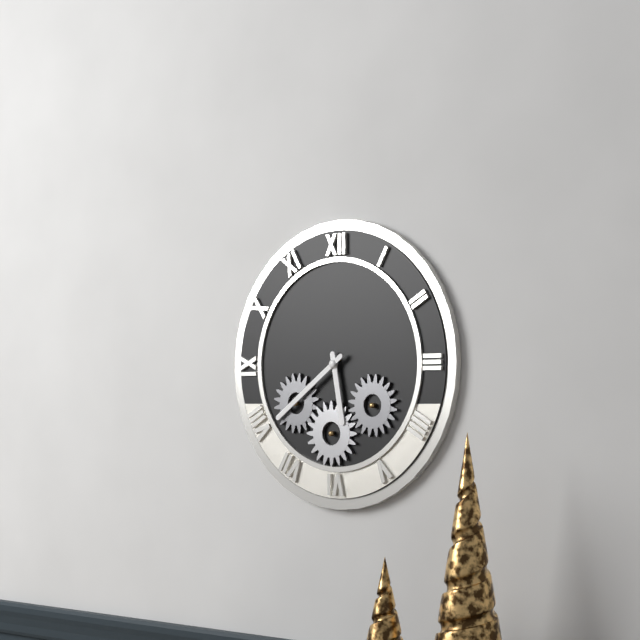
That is 5:39
